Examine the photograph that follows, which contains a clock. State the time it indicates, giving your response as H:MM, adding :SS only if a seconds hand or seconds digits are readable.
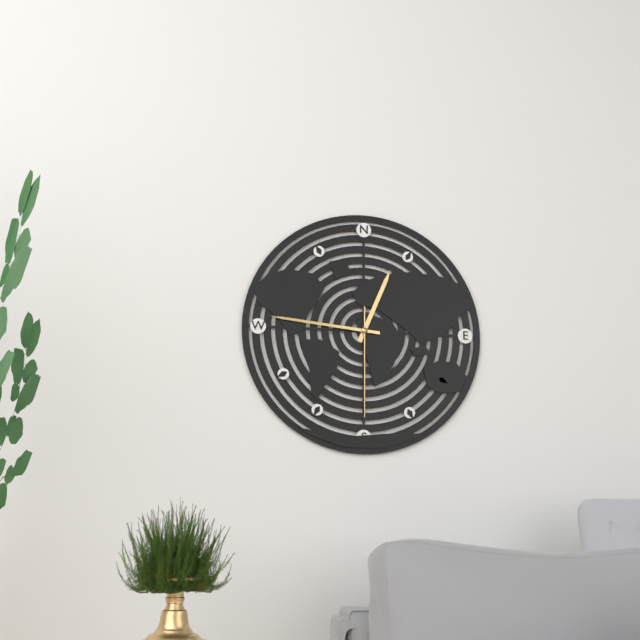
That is 12:46:30
